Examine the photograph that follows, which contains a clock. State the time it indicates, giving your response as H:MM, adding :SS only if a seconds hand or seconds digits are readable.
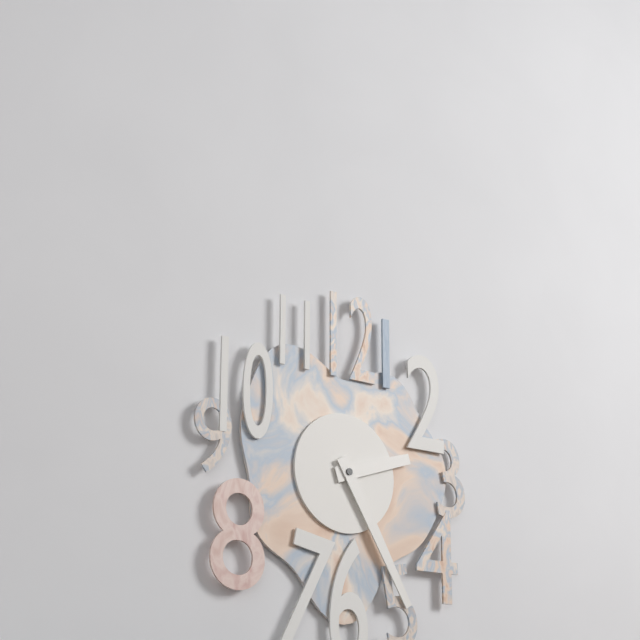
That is 2:25
